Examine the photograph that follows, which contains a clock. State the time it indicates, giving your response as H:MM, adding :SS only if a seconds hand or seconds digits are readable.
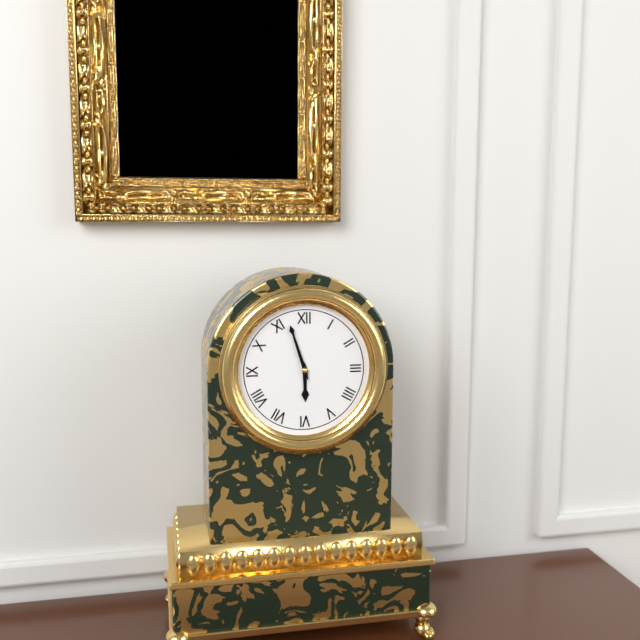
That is 5:57
